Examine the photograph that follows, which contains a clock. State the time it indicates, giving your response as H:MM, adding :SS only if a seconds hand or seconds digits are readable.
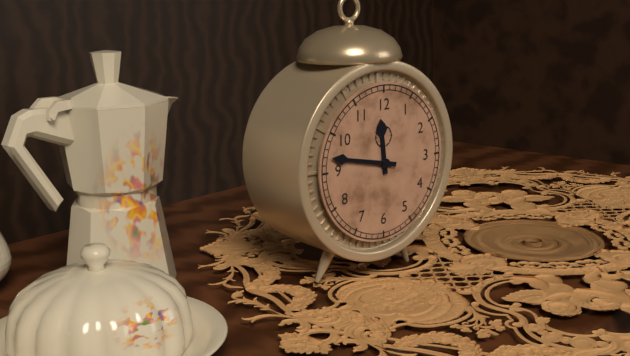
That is 11:47
